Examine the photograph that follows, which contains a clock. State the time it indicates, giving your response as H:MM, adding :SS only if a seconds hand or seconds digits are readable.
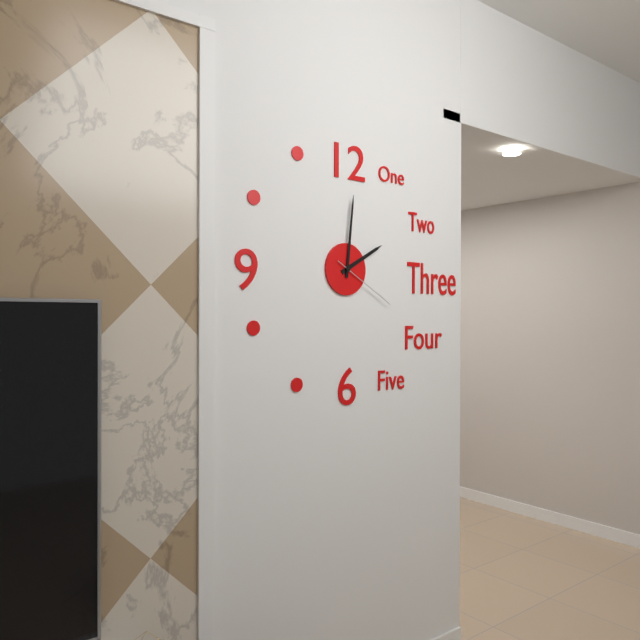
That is 2:01:20
